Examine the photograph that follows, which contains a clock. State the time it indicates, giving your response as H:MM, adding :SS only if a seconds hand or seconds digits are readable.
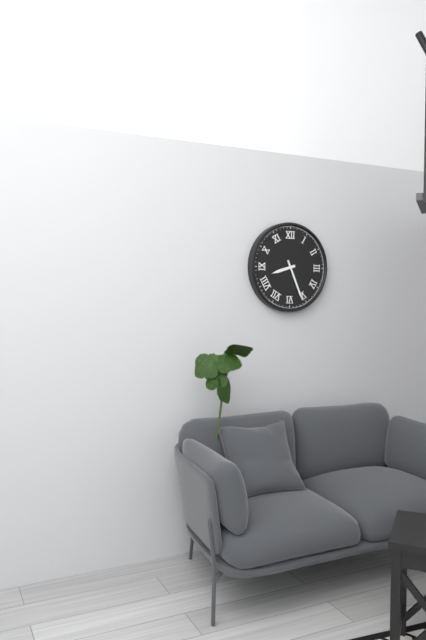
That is 8:26
